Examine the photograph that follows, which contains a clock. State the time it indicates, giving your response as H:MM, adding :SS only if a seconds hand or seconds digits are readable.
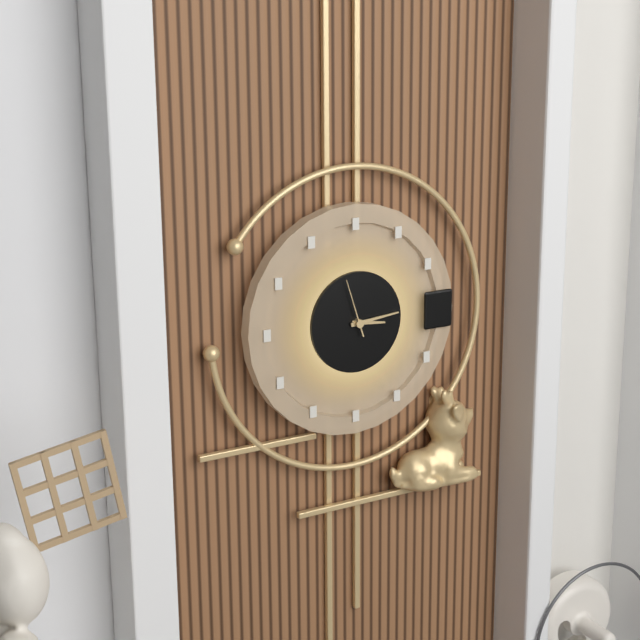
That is 3:14:57
